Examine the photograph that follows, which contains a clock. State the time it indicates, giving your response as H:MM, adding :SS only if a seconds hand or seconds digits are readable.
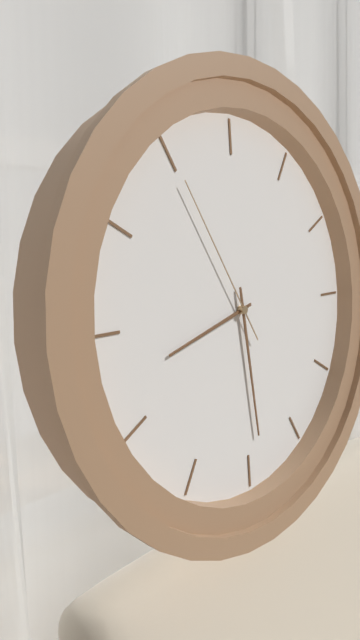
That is 8:29:55
